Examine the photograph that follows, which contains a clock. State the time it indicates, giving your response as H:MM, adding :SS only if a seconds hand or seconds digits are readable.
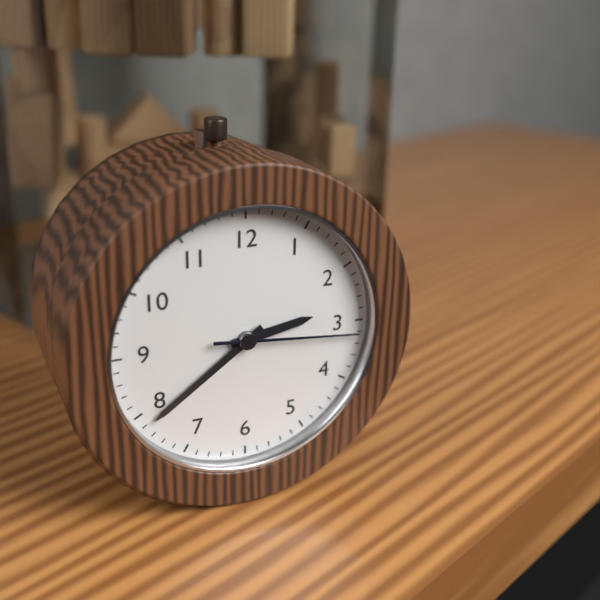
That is 2:39:16
